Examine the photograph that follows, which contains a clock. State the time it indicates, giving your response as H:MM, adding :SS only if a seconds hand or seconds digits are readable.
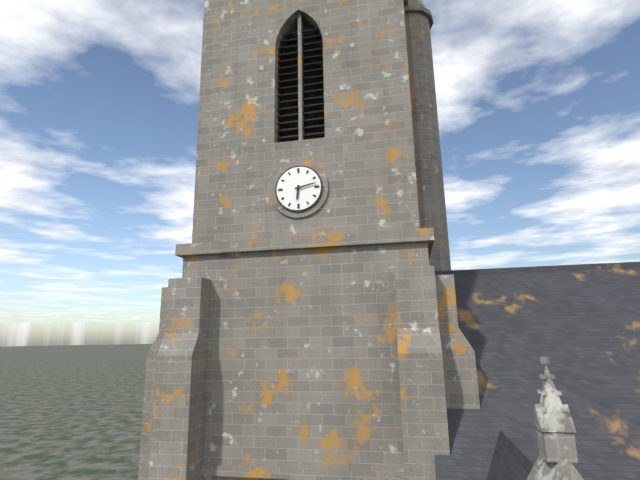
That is 6:13
